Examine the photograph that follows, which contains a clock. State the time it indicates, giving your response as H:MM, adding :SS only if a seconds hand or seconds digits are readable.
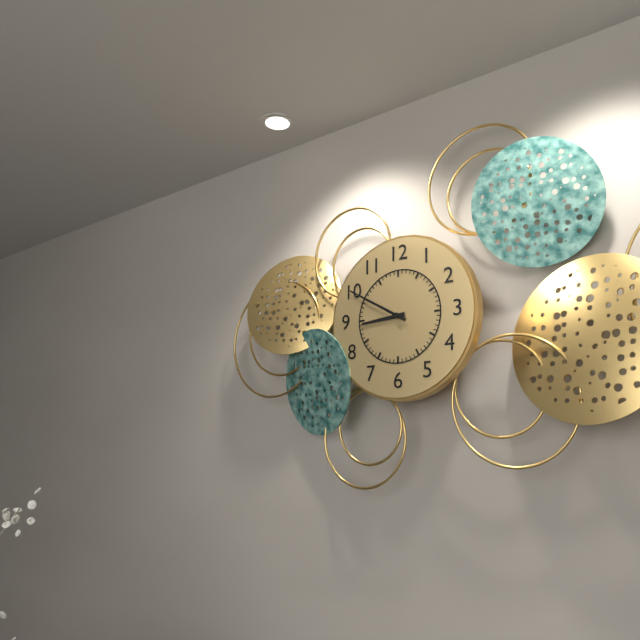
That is 8:50
